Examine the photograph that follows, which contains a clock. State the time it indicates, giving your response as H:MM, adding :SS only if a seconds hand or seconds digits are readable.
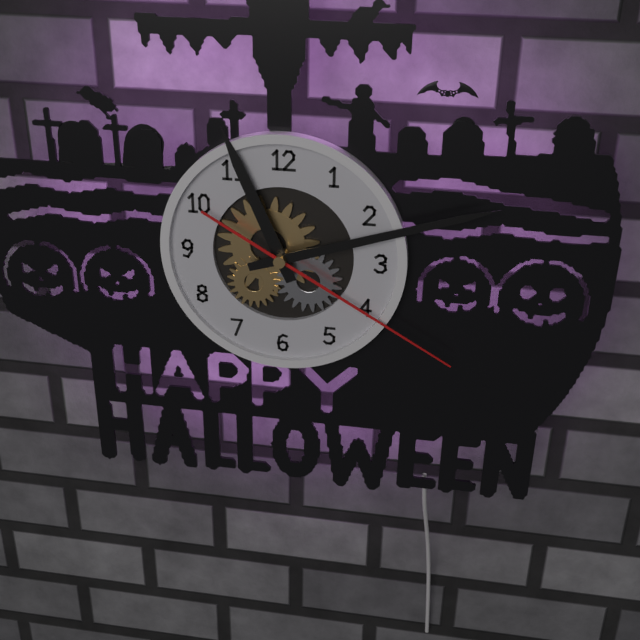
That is 11:12:20
